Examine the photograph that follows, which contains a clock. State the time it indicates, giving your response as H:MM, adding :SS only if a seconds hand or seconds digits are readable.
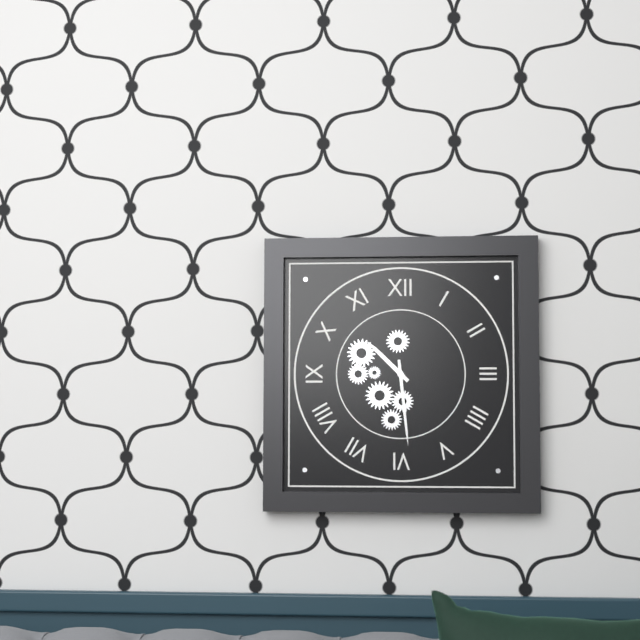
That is 10:29
